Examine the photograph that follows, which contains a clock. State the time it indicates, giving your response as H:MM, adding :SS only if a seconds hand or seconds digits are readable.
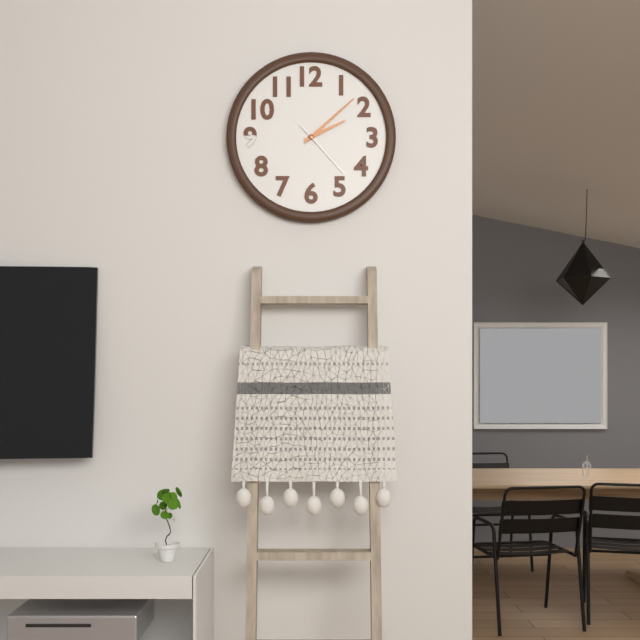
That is 2:08:23
